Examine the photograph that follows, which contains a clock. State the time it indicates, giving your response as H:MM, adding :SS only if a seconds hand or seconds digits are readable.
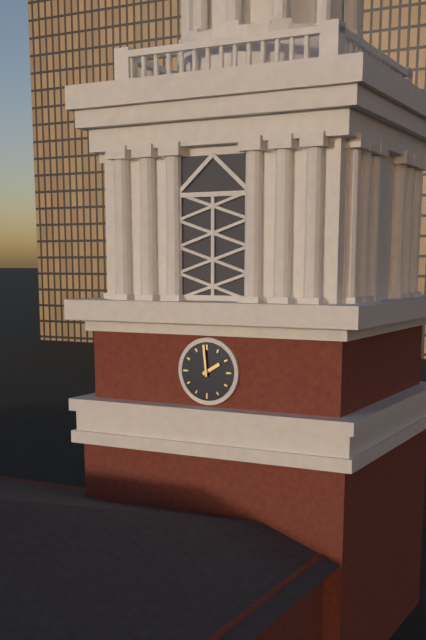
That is 1:59
